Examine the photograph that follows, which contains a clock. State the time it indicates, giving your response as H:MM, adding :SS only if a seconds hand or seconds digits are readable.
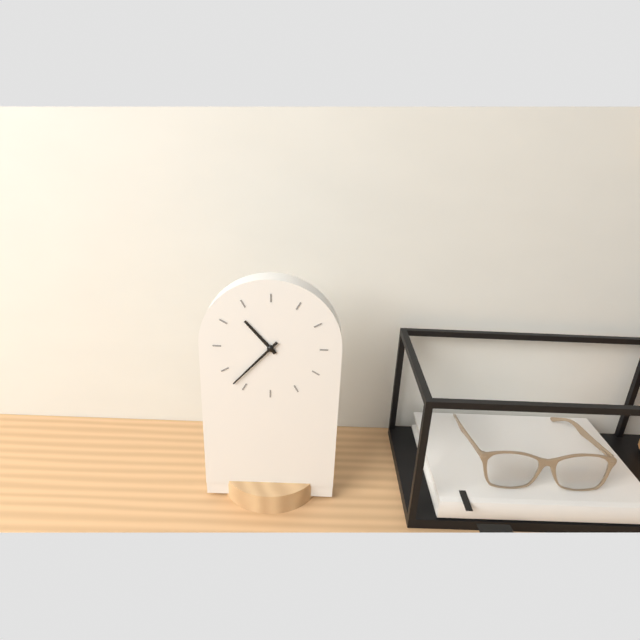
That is 10:37
